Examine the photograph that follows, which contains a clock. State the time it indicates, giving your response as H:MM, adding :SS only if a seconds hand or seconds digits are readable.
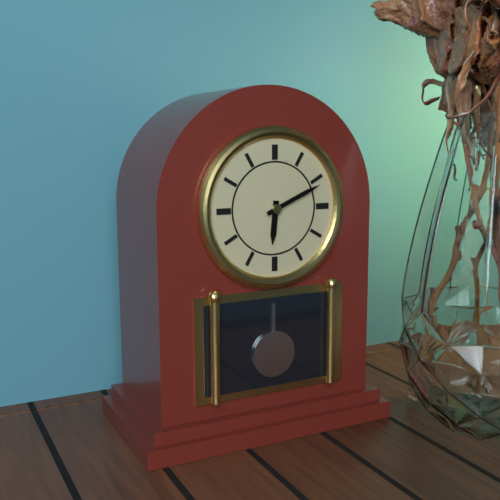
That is 6:11
